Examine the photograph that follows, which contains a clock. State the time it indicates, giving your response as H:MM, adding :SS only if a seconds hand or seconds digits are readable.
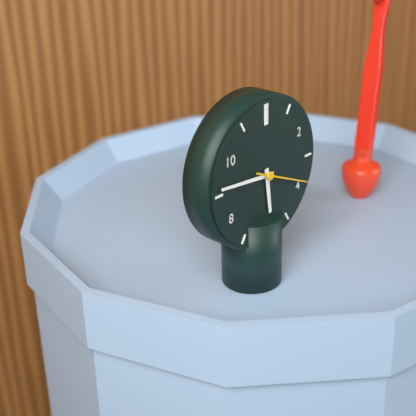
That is 5:46:19
